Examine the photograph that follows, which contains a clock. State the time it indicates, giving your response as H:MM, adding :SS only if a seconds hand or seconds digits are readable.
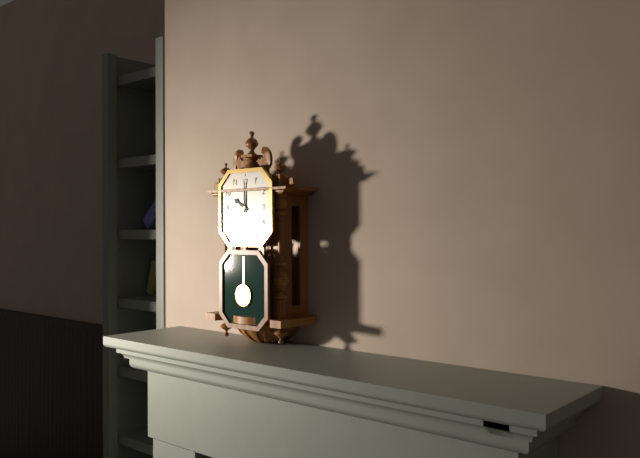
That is 10:00
